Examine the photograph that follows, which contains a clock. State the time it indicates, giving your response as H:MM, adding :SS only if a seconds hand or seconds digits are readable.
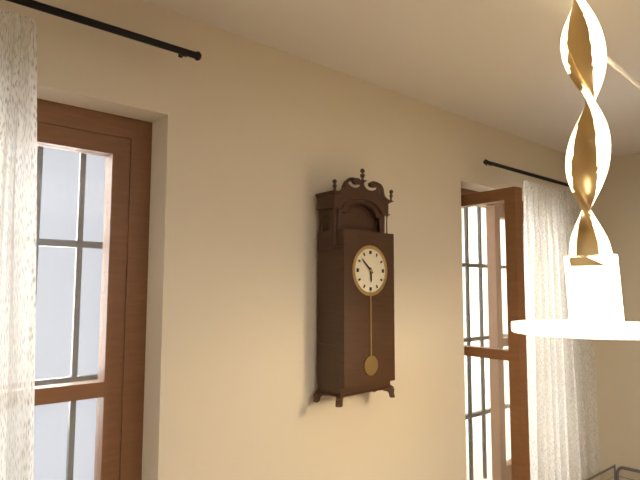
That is 5:52
